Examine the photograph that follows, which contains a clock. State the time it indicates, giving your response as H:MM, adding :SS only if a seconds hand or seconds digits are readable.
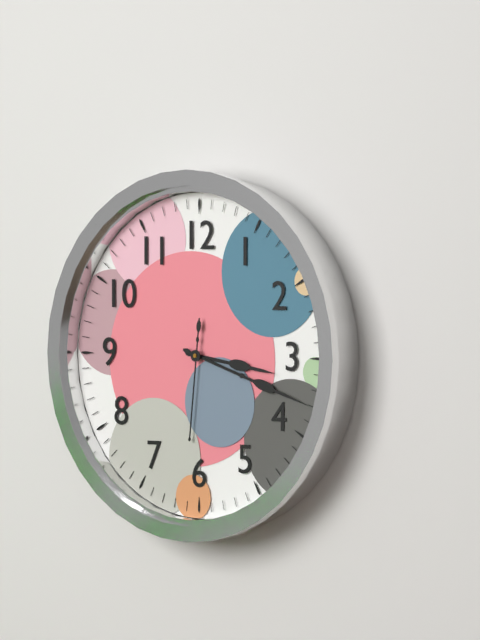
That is 3:18:31
